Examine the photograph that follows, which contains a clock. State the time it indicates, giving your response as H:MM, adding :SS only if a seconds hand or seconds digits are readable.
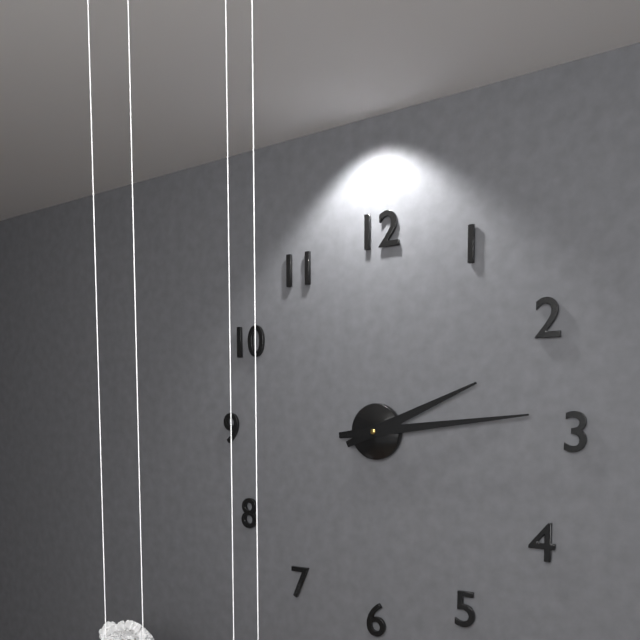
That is 2:14
